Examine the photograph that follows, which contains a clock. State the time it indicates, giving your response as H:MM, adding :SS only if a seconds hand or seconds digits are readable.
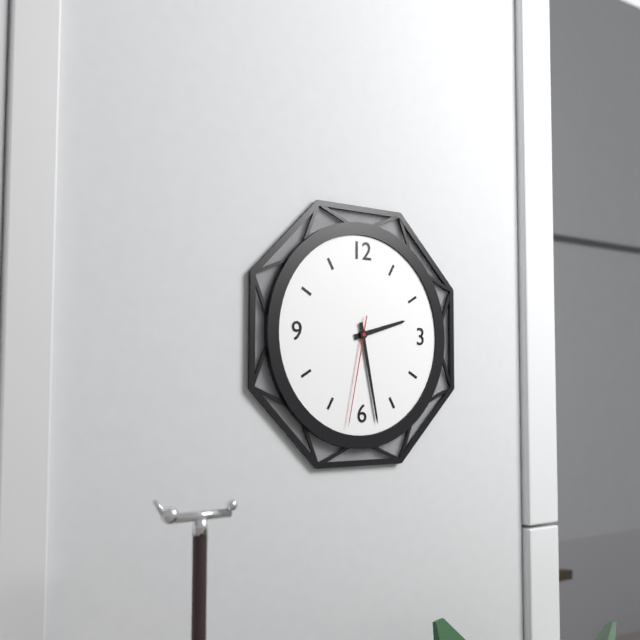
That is 2:28:32
